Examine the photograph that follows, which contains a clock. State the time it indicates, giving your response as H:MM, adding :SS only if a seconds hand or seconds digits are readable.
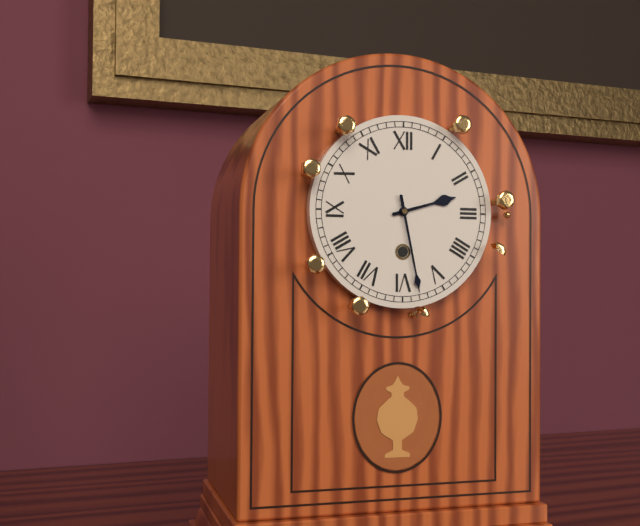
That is 2:28
